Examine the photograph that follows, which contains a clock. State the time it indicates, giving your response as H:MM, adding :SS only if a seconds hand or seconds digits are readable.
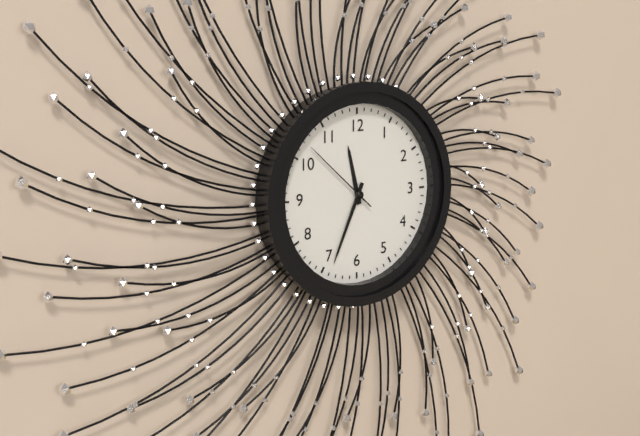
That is 11:34:52
